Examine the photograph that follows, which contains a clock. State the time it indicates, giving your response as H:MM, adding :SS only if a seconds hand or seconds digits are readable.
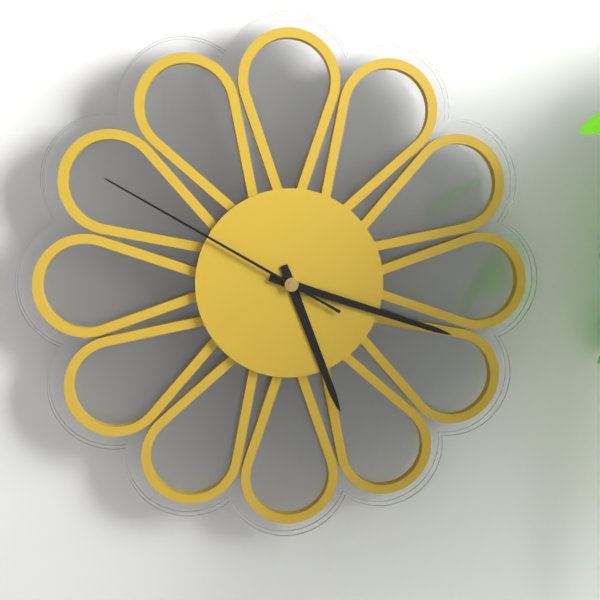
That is 5:18:50
